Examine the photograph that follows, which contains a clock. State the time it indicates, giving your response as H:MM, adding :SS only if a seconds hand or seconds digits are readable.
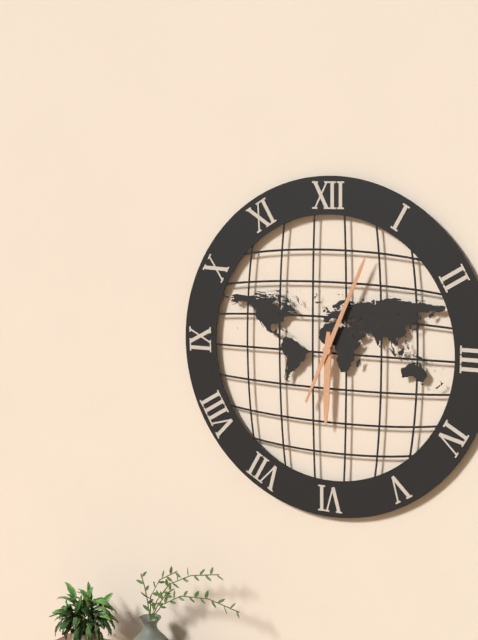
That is 6:04
